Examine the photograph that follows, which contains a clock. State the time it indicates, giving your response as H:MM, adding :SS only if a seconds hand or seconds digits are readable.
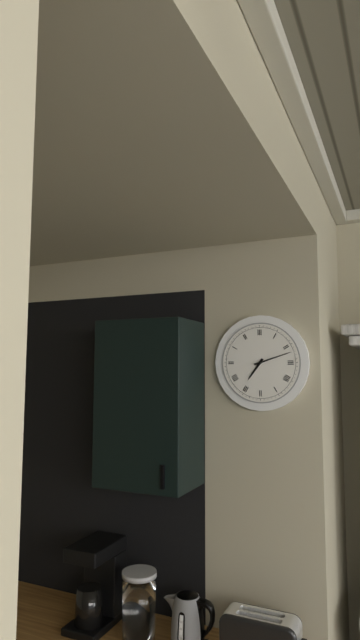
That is 7:12
